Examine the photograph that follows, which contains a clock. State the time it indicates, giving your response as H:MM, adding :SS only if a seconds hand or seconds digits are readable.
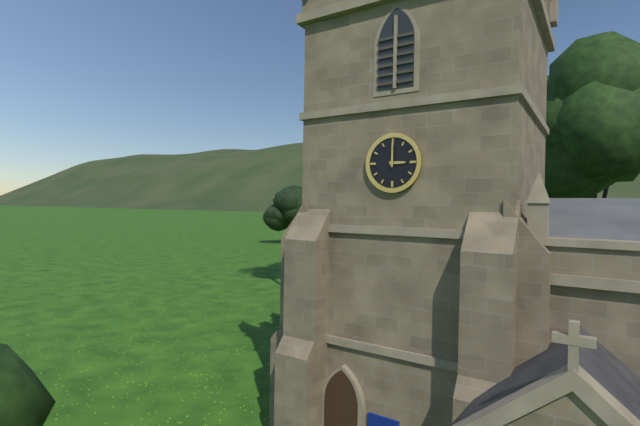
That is 3:00
